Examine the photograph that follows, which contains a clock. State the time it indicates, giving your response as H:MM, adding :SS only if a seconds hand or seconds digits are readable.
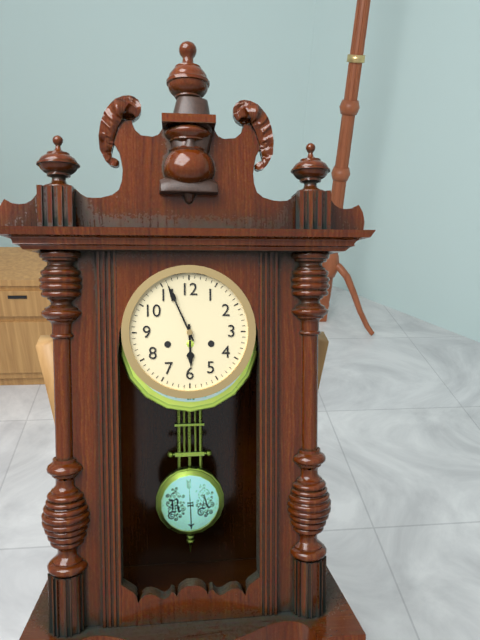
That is 5:56
